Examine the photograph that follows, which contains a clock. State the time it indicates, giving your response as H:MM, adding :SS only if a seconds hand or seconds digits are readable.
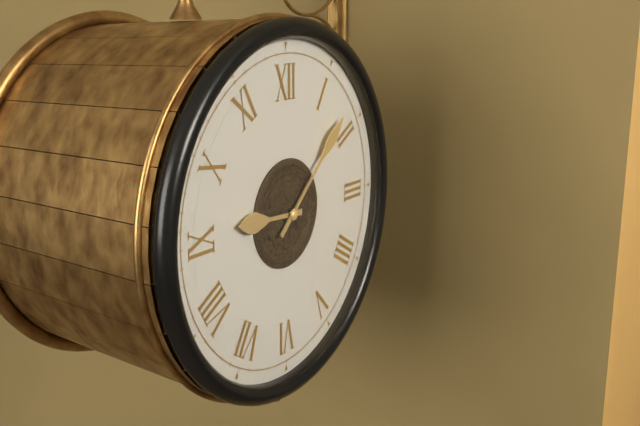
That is 9:08
